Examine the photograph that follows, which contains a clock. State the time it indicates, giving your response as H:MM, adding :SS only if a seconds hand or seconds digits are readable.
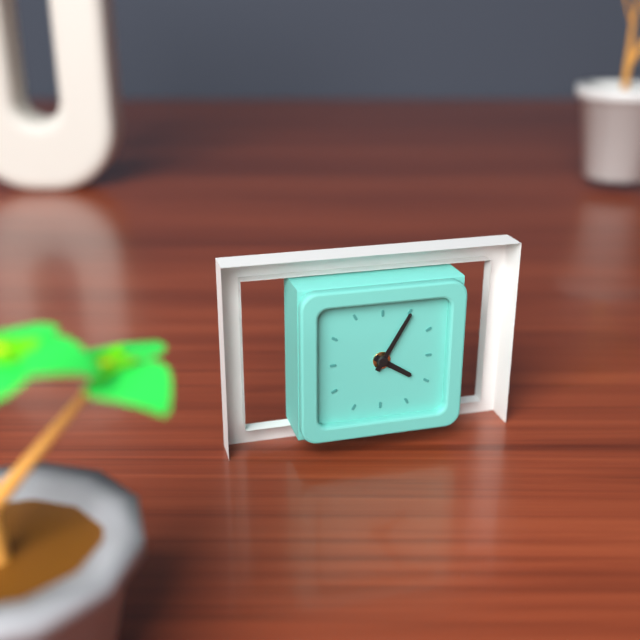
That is 4:05
